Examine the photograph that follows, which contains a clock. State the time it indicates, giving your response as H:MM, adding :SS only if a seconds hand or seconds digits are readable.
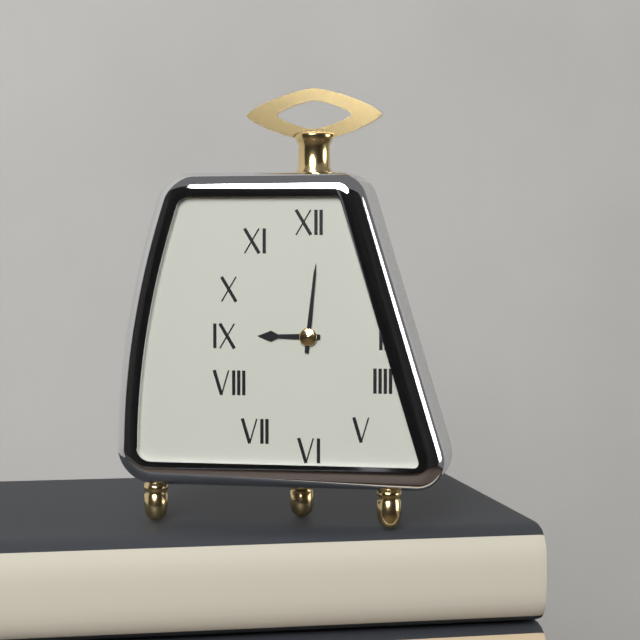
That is 9:01
